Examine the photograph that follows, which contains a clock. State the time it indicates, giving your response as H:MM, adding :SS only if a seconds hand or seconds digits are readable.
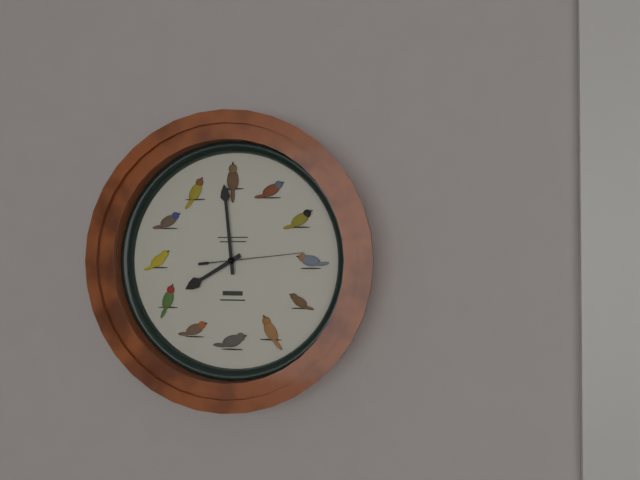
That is 7:59:14
